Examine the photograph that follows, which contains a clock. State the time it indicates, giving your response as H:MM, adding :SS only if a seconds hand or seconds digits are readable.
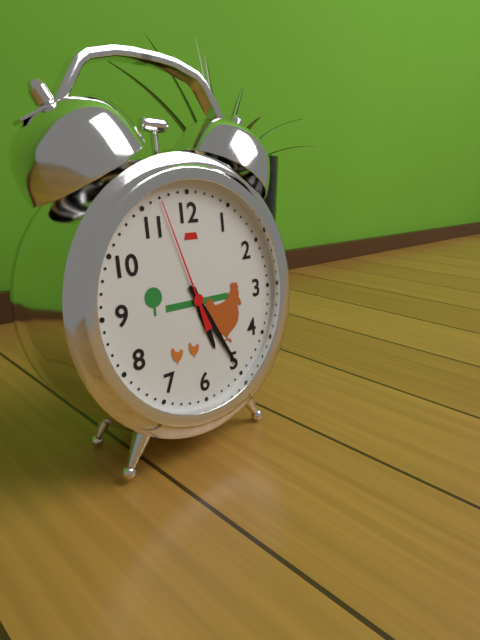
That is 5:25:57
